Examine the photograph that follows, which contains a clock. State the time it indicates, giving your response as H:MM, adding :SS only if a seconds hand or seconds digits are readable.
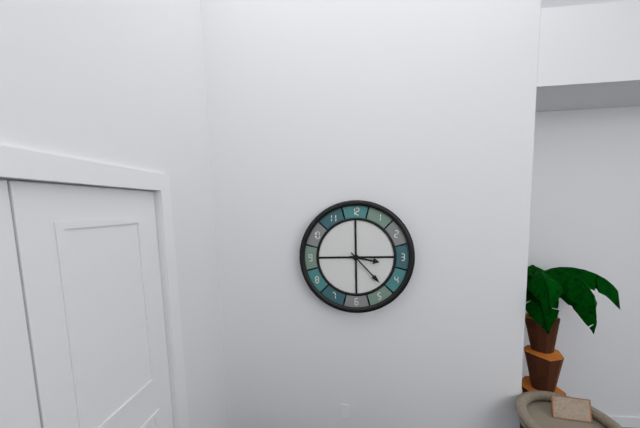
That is 3:23
